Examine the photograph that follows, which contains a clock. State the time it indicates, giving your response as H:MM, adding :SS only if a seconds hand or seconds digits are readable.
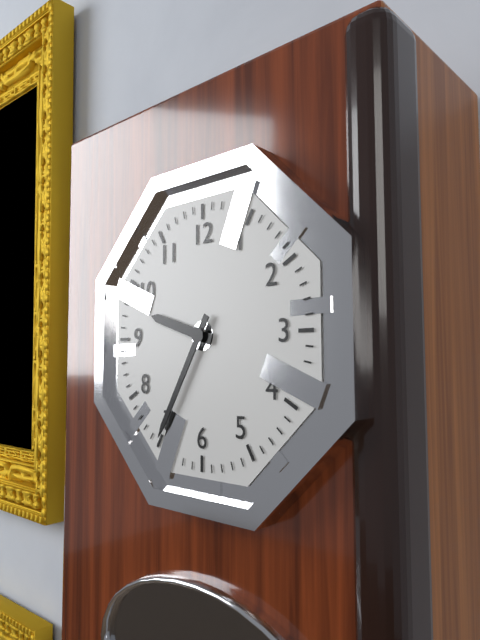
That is 9:35
